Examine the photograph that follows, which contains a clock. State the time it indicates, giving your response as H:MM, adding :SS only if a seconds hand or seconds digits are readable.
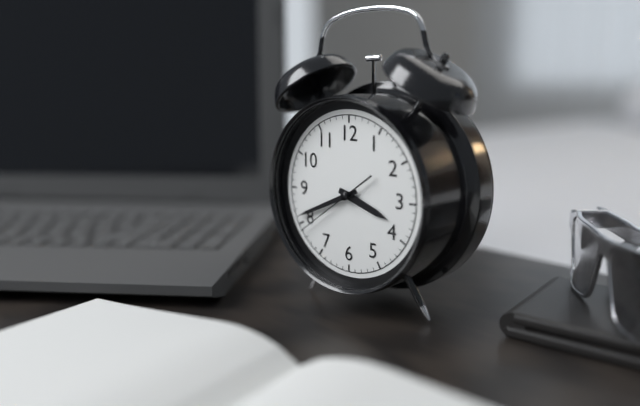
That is 3:41:39
